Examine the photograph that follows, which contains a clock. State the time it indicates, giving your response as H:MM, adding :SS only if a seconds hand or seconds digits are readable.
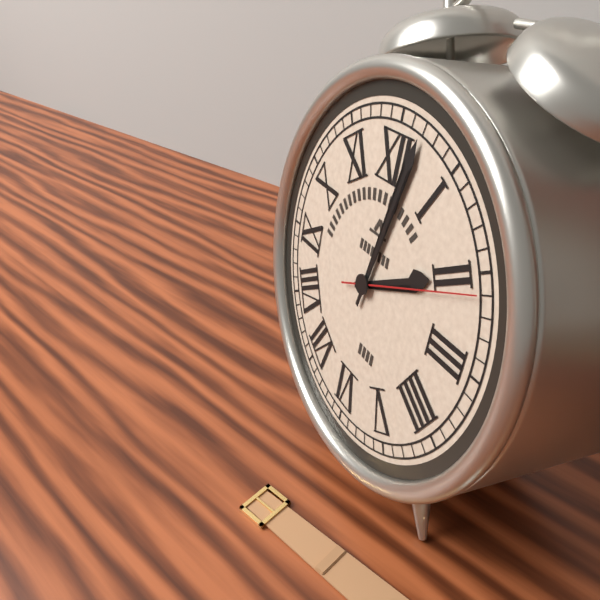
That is 2:02:11
